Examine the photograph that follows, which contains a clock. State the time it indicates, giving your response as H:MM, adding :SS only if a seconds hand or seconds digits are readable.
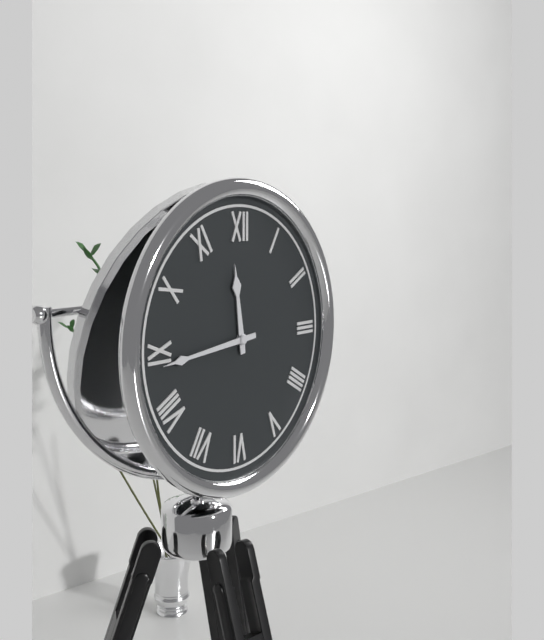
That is 11:44
